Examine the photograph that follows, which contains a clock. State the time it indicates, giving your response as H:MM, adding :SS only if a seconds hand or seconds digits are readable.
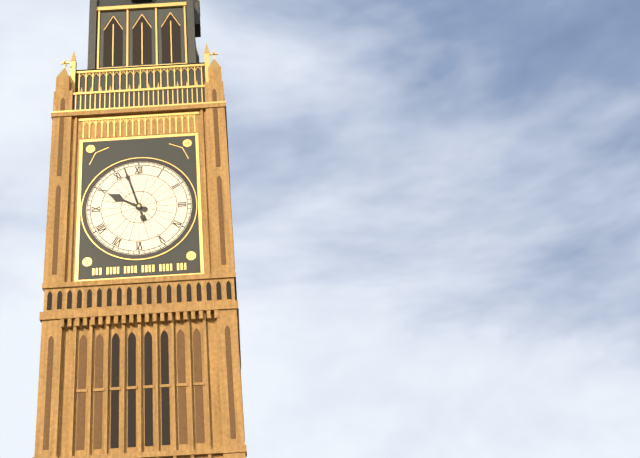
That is 9:57
